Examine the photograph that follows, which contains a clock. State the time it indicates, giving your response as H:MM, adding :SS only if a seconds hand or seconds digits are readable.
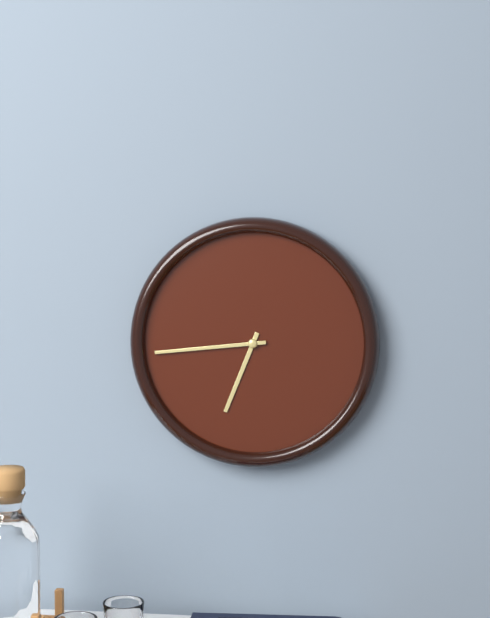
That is 6:44
